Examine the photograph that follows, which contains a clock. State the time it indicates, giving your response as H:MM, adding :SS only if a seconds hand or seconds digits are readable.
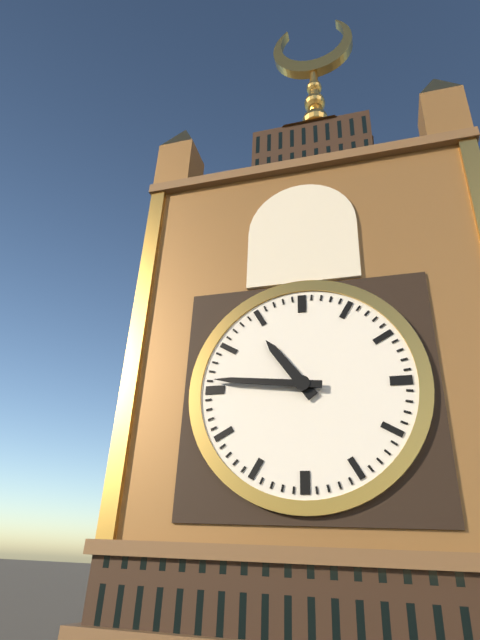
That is 10:46
